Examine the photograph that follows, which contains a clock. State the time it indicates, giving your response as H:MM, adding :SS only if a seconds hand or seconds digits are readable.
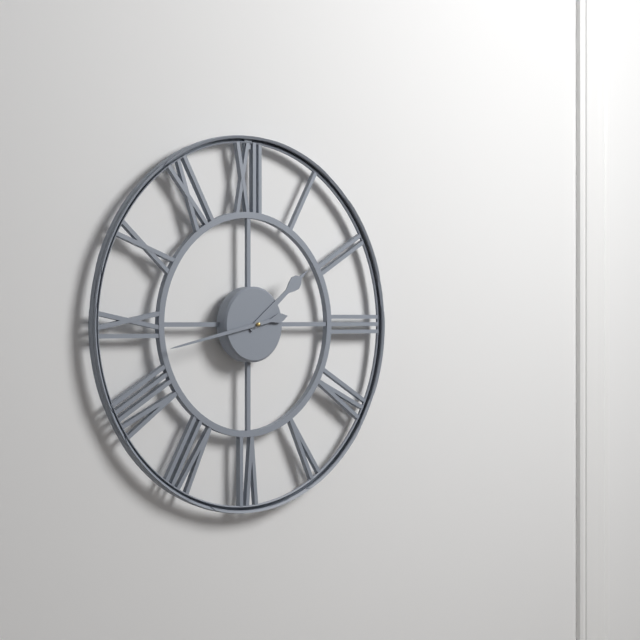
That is 1:43
